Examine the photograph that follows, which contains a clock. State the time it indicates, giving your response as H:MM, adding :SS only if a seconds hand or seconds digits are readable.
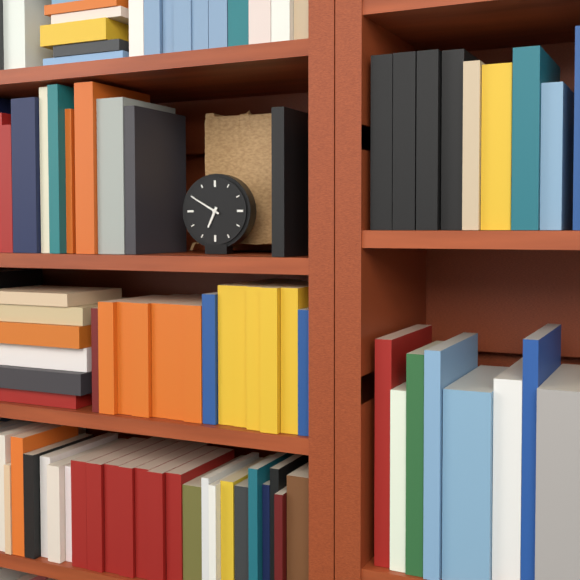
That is 6:50
